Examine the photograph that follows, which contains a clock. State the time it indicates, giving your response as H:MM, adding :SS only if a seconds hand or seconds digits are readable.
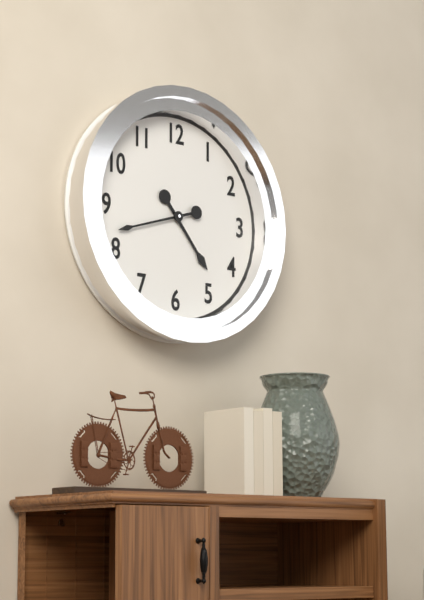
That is 4:42
